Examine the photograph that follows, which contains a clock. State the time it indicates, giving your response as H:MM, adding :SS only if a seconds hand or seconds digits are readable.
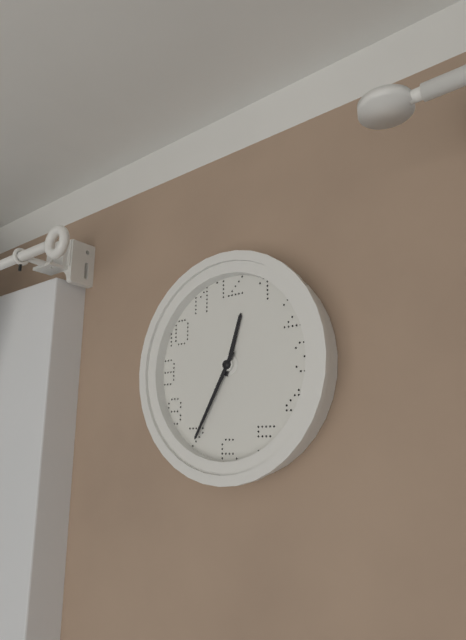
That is 12:35
